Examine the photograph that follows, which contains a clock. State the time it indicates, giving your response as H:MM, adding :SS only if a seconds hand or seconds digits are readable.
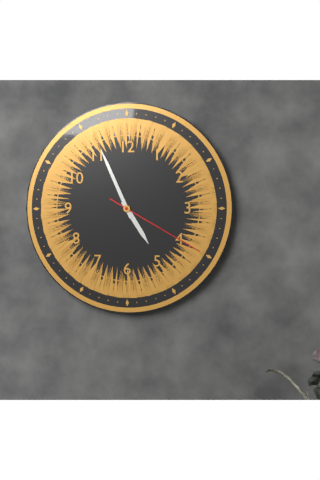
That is 4:56:20
